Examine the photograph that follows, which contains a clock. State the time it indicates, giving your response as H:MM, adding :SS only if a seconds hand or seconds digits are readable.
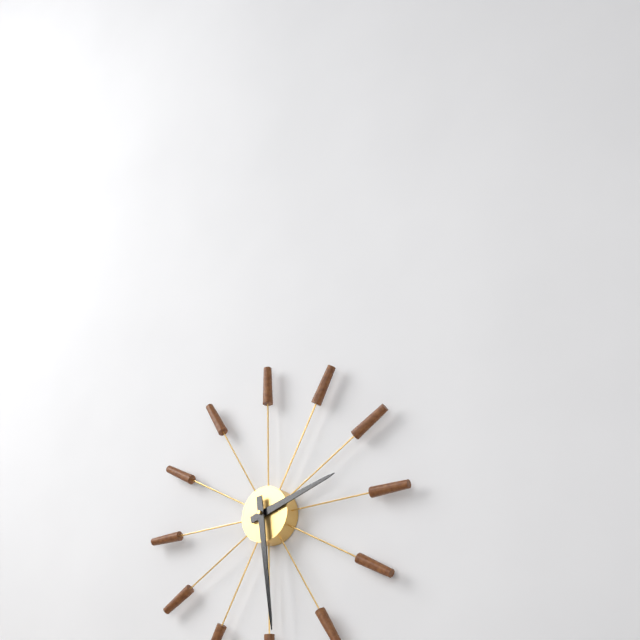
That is 2:29
